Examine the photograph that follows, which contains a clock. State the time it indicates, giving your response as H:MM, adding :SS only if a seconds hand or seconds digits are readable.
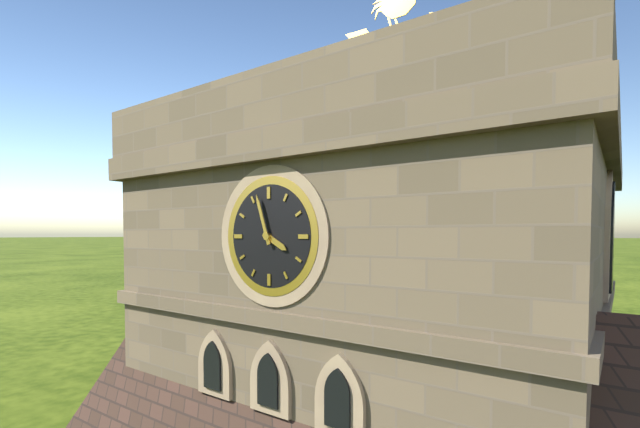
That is 3:57
